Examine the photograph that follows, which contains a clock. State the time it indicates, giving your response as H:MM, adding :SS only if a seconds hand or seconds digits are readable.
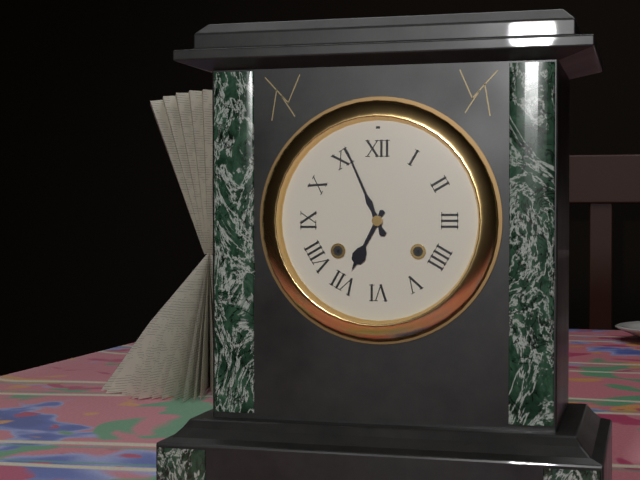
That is 6:56
